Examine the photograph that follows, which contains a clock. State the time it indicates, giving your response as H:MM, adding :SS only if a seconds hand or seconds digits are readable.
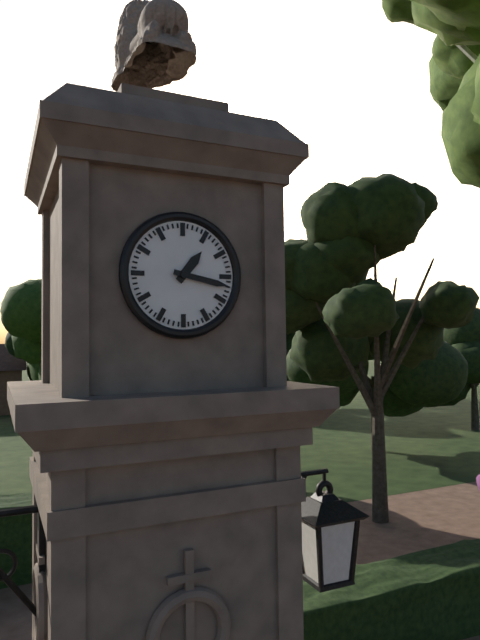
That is 1:17
